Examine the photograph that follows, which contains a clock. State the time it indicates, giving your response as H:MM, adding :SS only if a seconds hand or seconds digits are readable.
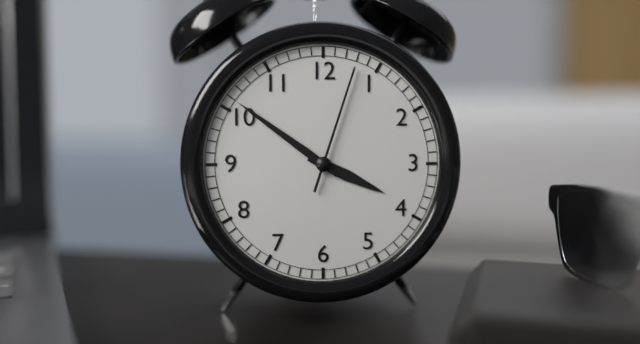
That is 3:51:03
